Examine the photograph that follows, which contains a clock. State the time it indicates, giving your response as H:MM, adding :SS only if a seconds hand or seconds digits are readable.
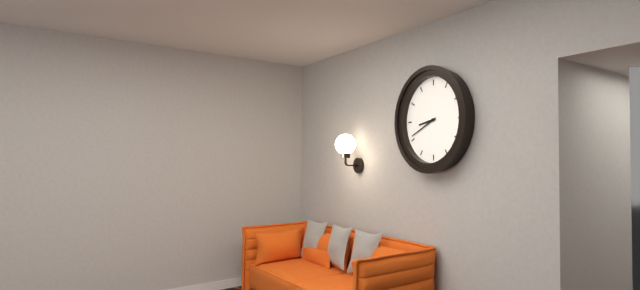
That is 8:41
